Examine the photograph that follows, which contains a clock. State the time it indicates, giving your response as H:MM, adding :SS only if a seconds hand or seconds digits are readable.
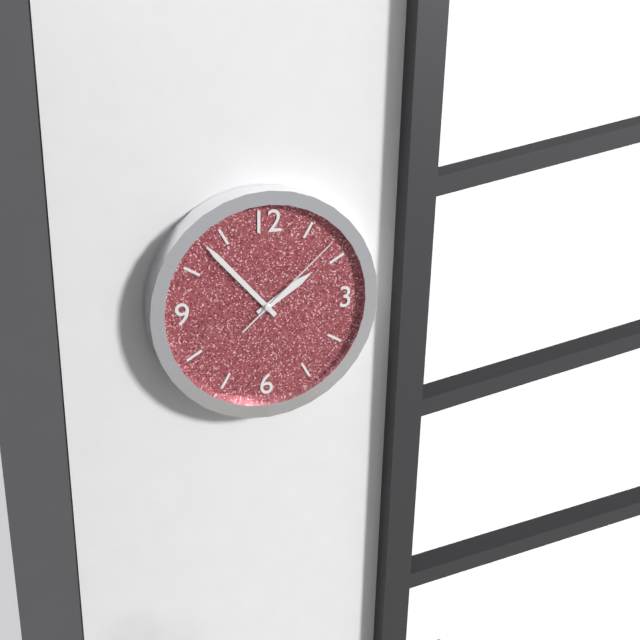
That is 1:53:08
